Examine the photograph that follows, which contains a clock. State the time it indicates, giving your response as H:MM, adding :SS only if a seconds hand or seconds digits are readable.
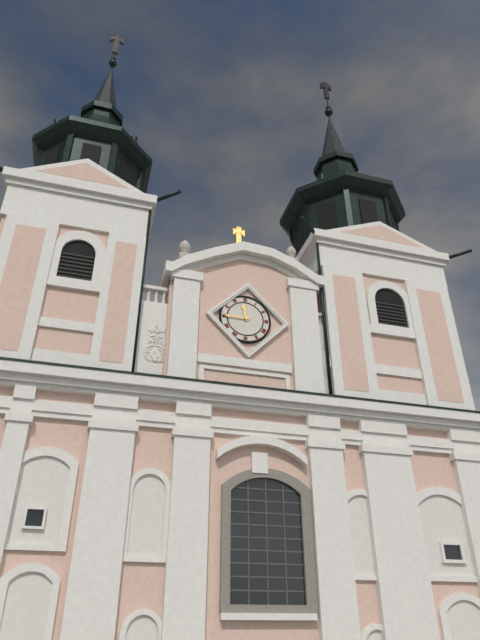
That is 11:45
